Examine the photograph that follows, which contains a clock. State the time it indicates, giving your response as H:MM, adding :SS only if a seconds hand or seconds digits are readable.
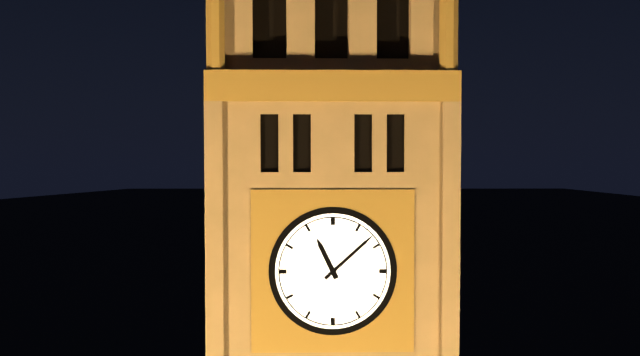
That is 11:08
